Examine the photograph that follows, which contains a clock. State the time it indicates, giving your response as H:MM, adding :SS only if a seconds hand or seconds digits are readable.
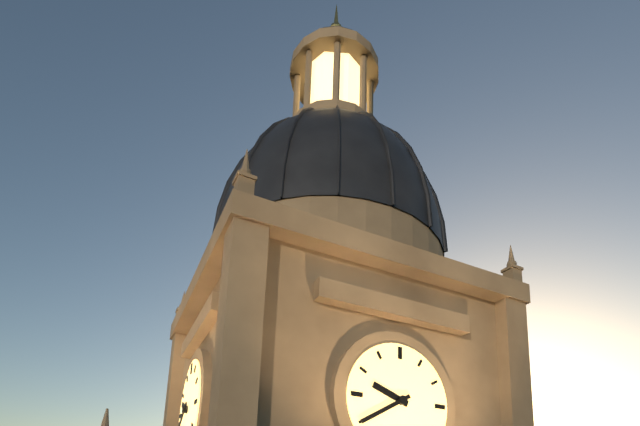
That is 9:40
